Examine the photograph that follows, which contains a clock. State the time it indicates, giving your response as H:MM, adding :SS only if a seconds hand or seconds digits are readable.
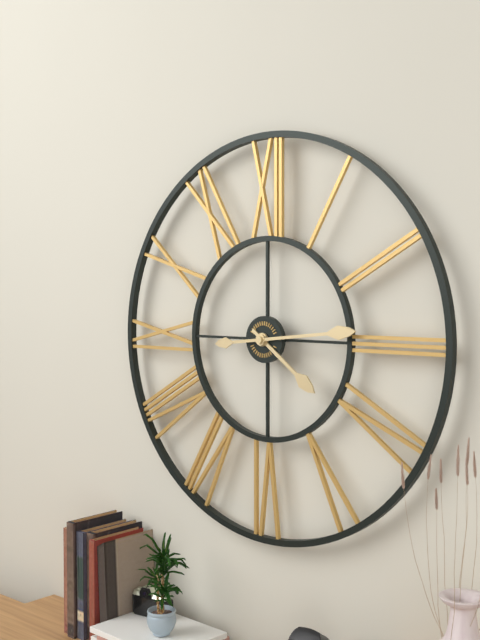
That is 4:14
